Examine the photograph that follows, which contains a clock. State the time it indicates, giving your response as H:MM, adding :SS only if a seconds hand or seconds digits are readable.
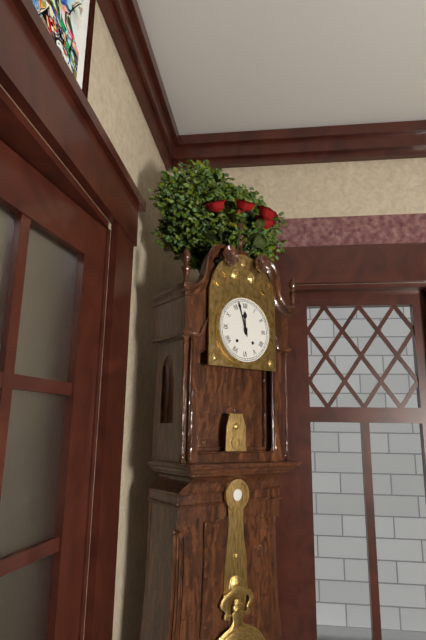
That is 11:57
